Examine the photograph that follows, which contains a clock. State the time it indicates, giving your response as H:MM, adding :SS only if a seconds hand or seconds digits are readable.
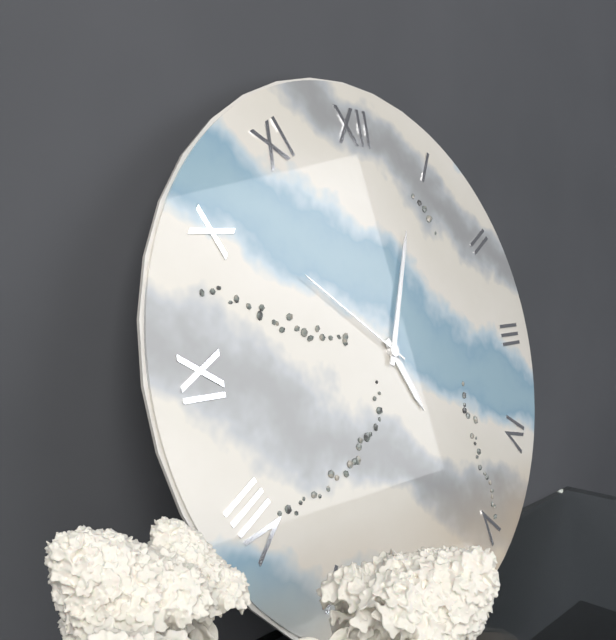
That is 5:04:51
